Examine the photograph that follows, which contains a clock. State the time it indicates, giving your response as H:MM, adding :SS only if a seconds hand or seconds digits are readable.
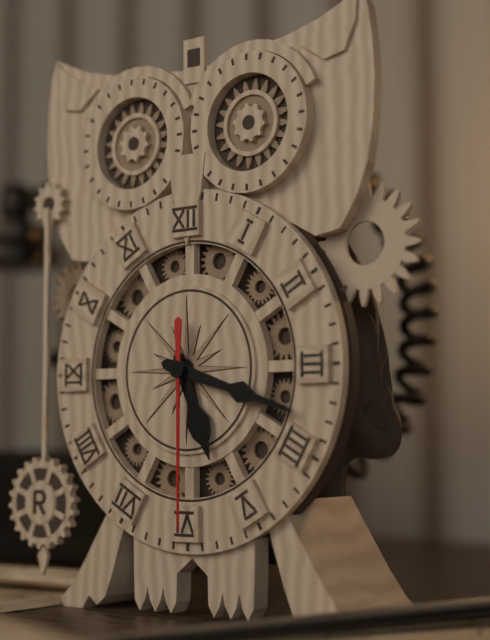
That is 5:18:30
